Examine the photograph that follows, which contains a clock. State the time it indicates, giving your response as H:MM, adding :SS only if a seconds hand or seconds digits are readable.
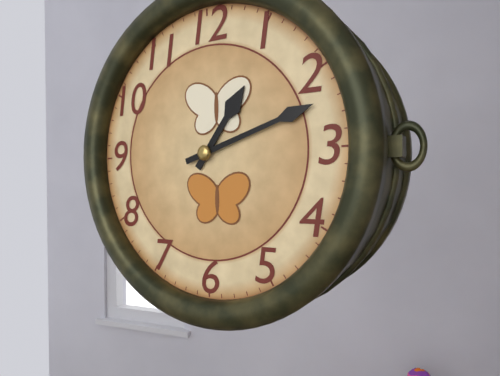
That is 1:12
